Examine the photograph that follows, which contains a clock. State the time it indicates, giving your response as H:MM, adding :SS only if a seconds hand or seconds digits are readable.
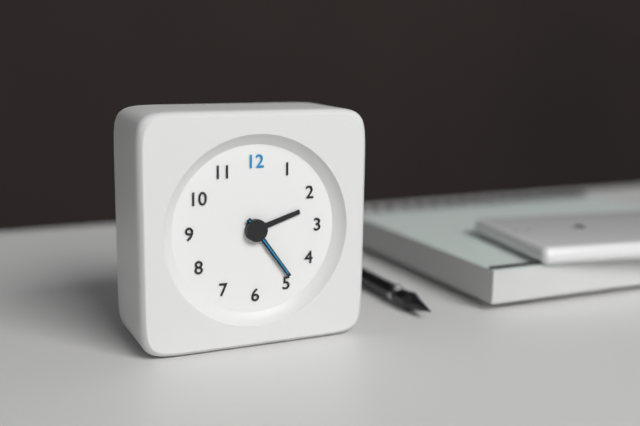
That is 2:24:24
